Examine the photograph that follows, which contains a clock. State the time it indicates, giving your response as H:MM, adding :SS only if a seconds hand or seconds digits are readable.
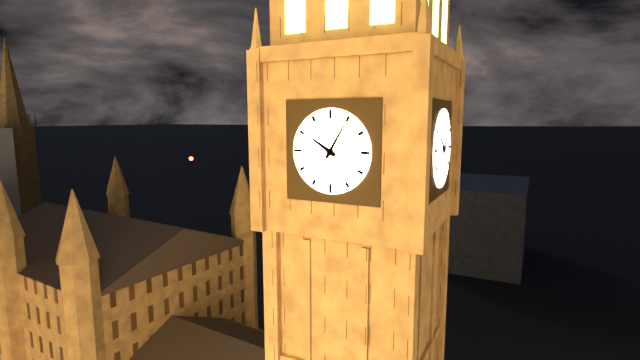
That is 10:05
